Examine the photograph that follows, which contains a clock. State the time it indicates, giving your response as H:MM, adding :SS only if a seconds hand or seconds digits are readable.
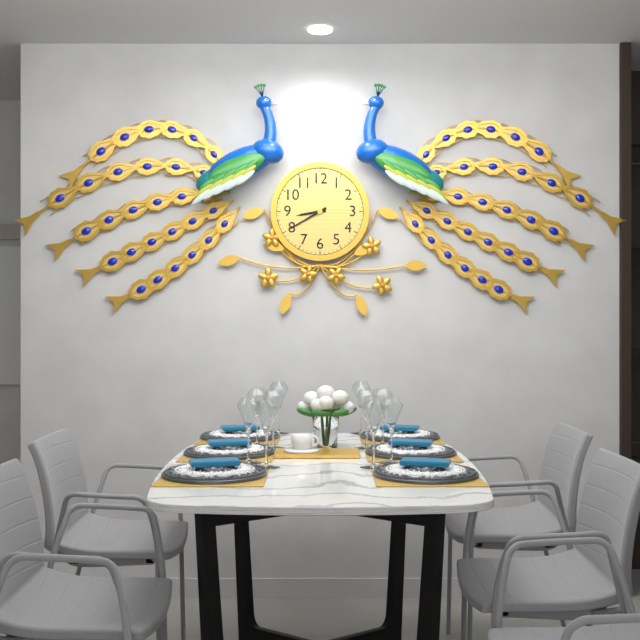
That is 8:40
